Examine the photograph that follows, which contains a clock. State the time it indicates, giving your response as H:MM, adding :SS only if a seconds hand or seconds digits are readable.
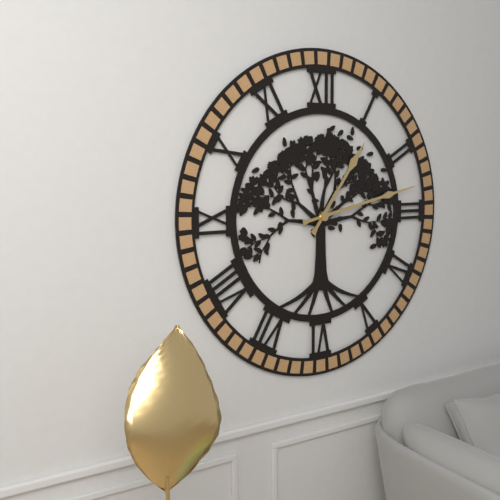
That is 1:13
